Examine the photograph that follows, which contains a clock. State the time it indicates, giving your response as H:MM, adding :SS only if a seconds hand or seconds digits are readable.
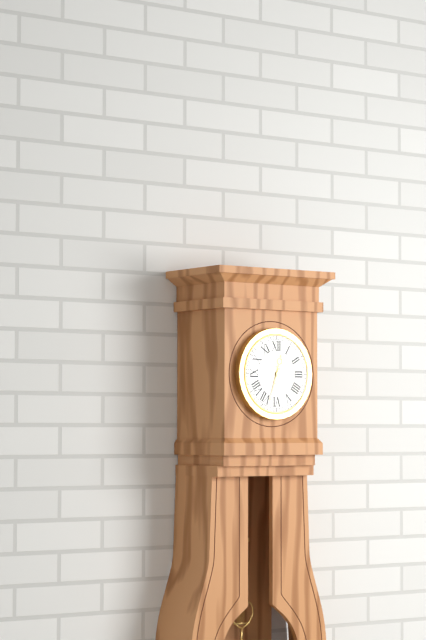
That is 12:33
